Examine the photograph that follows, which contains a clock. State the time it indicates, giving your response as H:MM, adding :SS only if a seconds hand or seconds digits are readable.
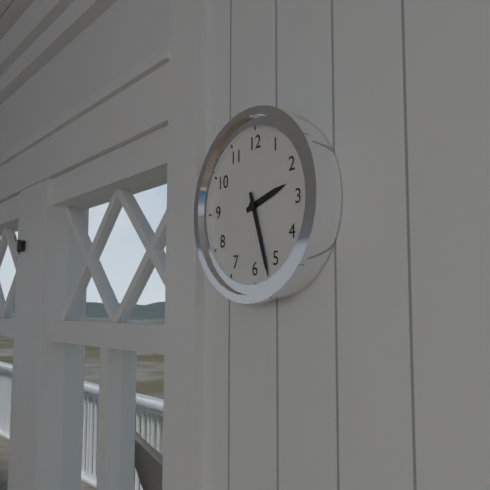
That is 2:27
